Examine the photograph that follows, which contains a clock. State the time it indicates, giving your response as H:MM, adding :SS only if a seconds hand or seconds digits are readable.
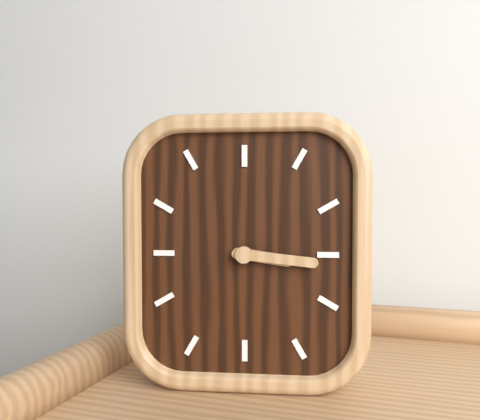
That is 3:16
